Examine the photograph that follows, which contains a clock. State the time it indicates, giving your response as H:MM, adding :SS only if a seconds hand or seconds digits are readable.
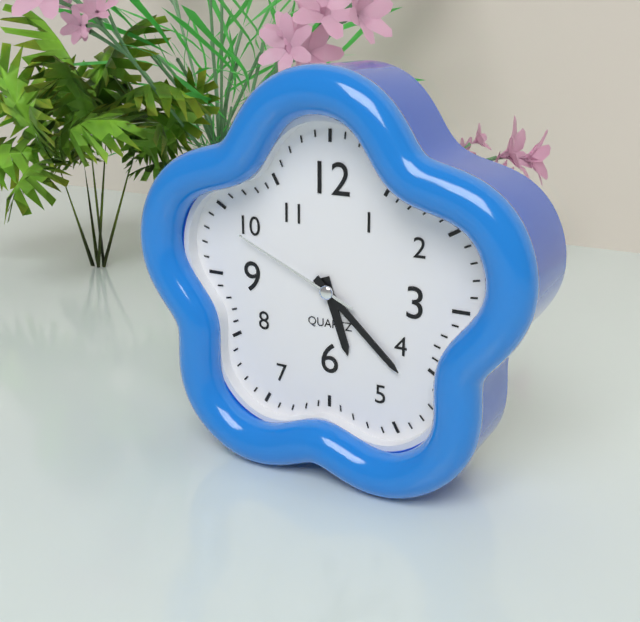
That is 5:22:49
